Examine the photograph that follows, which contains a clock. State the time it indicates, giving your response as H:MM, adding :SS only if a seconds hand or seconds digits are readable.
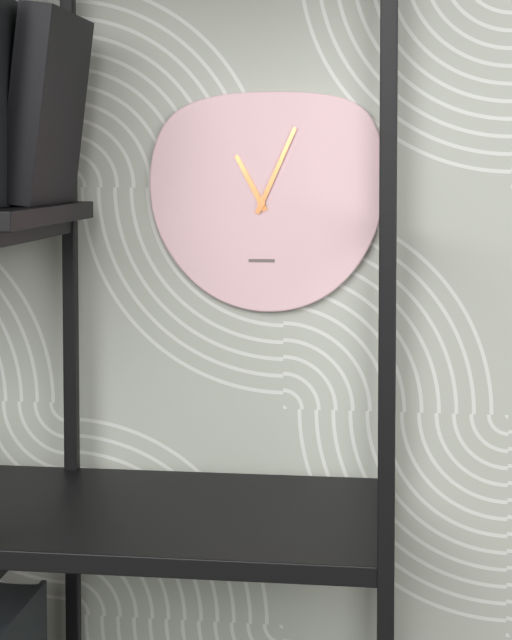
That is 11:04
